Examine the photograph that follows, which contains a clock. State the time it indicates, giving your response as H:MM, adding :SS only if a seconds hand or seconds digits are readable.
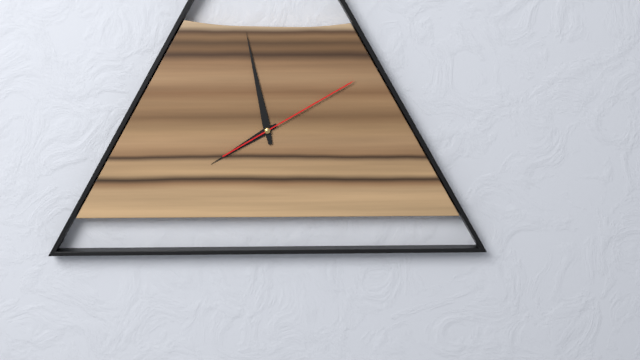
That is 7:58:10
